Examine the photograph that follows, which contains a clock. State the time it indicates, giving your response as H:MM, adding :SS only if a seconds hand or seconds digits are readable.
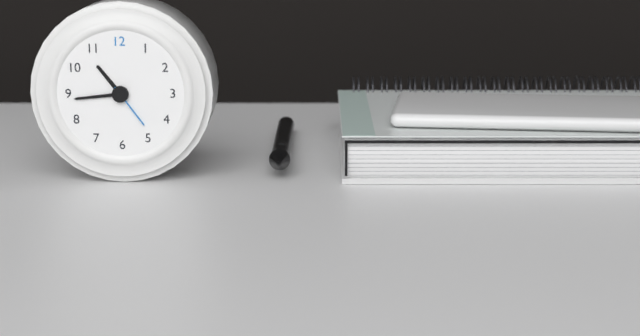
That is 10:44:24
